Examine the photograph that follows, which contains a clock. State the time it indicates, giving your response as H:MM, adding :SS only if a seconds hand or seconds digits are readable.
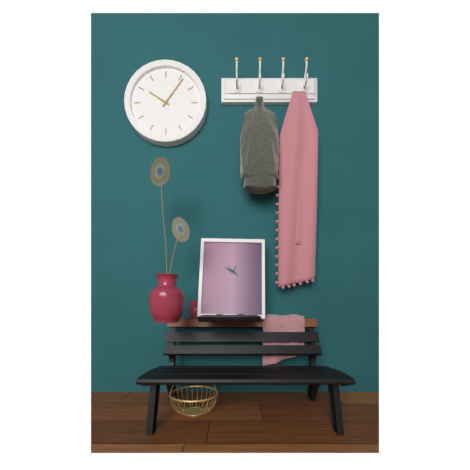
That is 10:06
